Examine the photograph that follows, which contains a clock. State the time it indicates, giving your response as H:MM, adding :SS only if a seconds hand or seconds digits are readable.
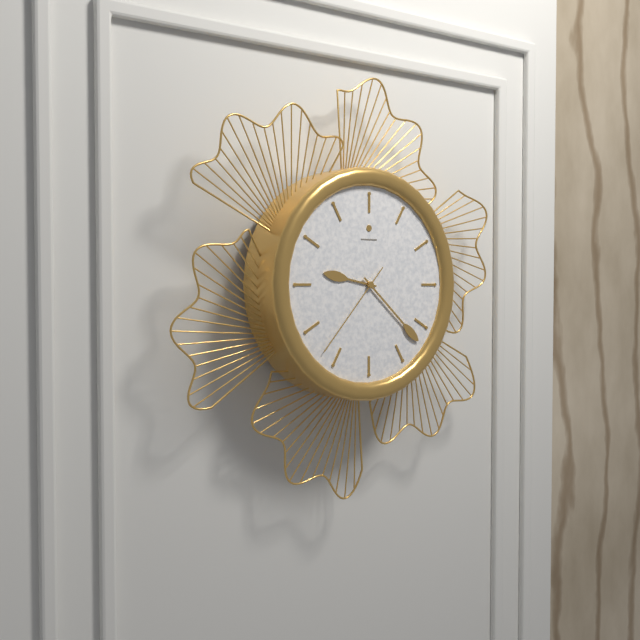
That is 9:22:37
